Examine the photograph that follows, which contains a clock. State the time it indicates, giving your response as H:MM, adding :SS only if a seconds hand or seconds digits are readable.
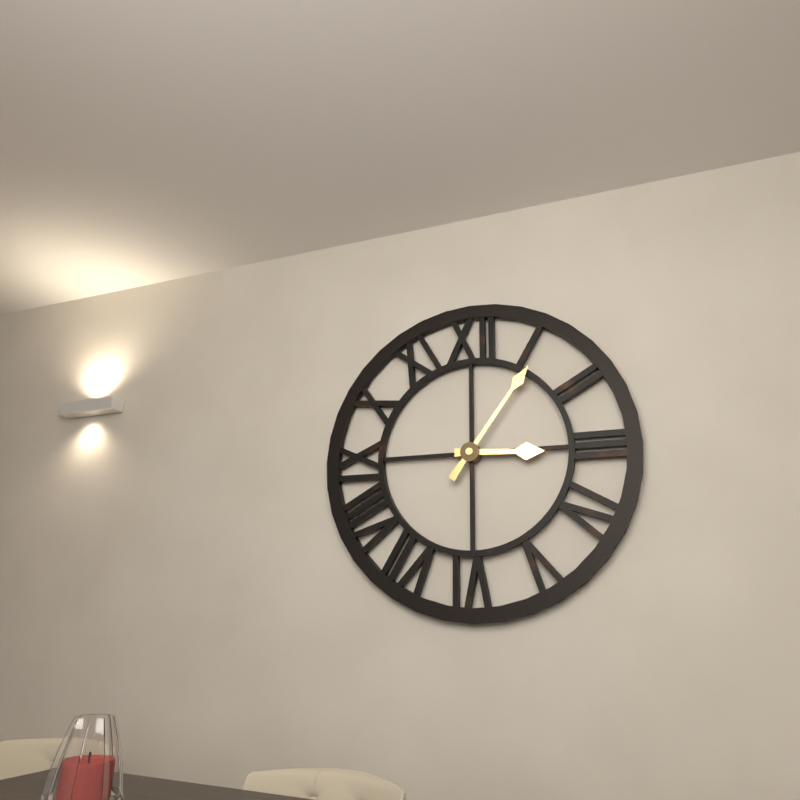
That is 3:06
